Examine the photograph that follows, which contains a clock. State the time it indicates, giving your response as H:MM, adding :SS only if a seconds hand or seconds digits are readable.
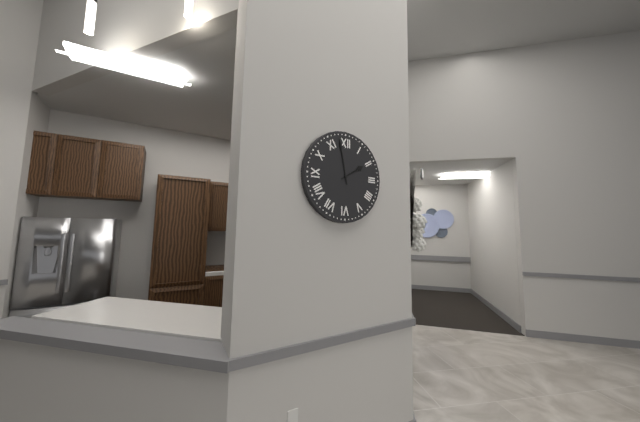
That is 1:58
